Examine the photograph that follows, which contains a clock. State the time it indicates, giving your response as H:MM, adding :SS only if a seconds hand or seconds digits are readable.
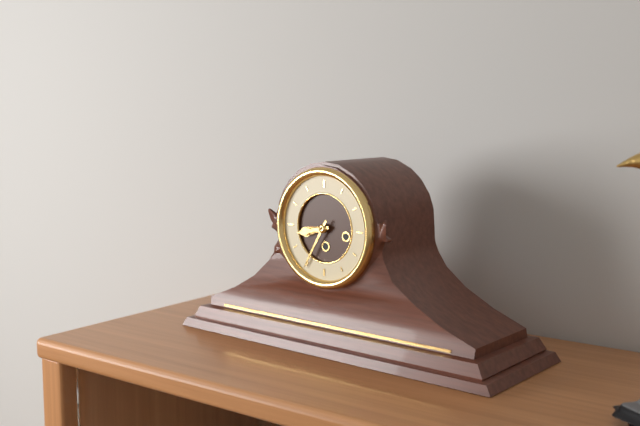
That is 8:35
